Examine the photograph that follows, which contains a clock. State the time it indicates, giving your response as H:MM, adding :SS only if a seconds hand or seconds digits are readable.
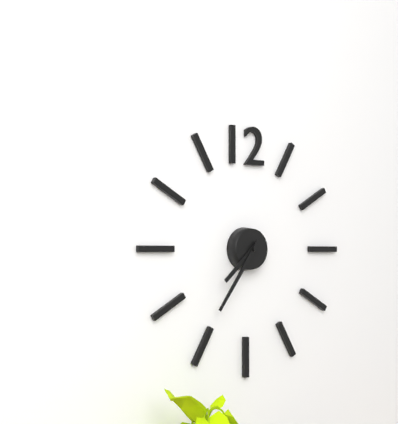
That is 7:36
